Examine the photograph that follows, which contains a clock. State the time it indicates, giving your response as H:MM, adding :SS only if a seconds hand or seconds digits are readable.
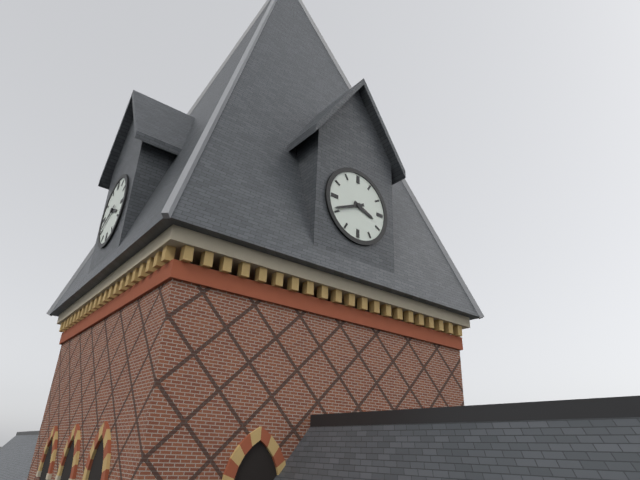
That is 3:41
